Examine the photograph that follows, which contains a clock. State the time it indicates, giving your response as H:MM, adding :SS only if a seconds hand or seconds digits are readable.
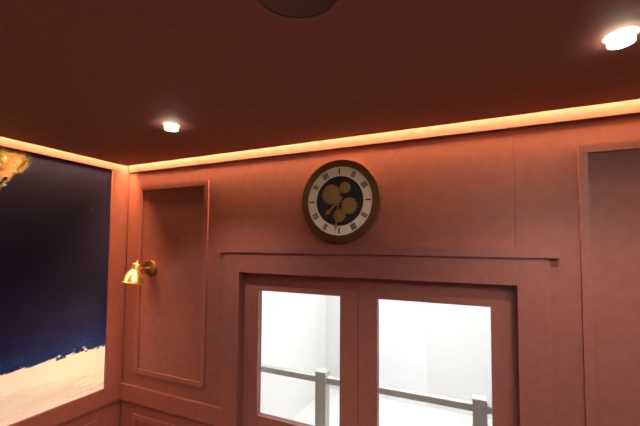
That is 7:31
